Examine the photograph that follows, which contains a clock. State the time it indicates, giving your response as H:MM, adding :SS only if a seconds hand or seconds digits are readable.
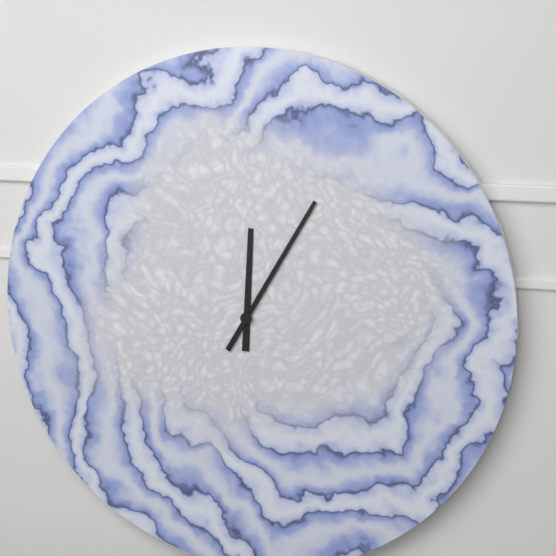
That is 12:05
